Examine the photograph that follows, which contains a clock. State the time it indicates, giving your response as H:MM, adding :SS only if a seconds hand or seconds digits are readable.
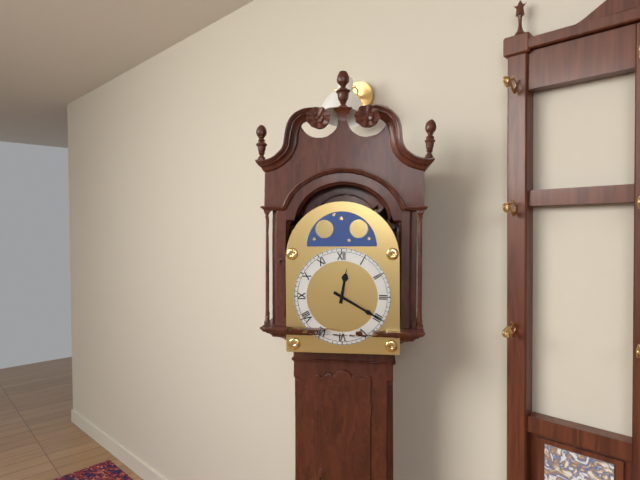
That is 12:20
